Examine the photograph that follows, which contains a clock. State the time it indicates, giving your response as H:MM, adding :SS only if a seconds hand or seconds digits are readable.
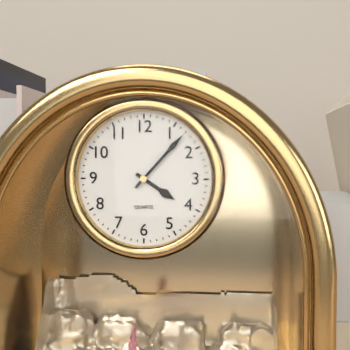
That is 4:07
